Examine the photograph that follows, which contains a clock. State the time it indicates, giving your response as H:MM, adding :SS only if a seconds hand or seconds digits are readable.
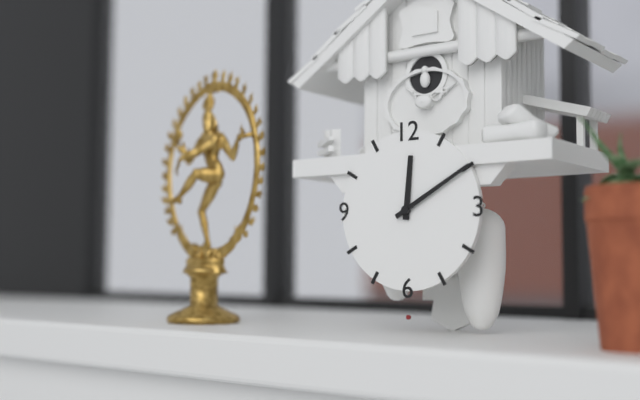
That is 12:10
